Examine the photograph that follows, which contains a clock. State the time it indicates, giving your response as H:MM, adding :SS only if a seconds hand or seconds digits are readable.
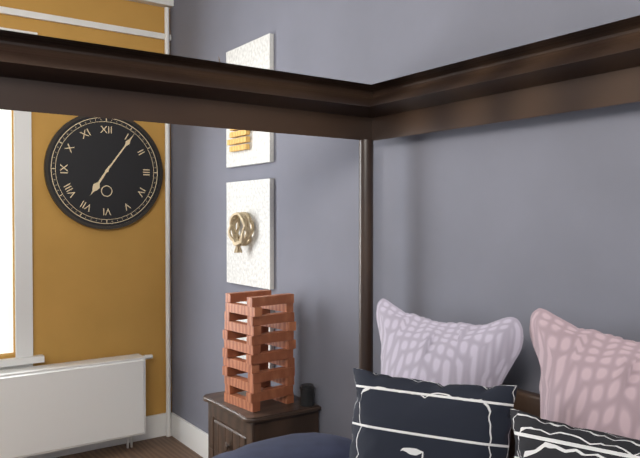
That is 7:06
